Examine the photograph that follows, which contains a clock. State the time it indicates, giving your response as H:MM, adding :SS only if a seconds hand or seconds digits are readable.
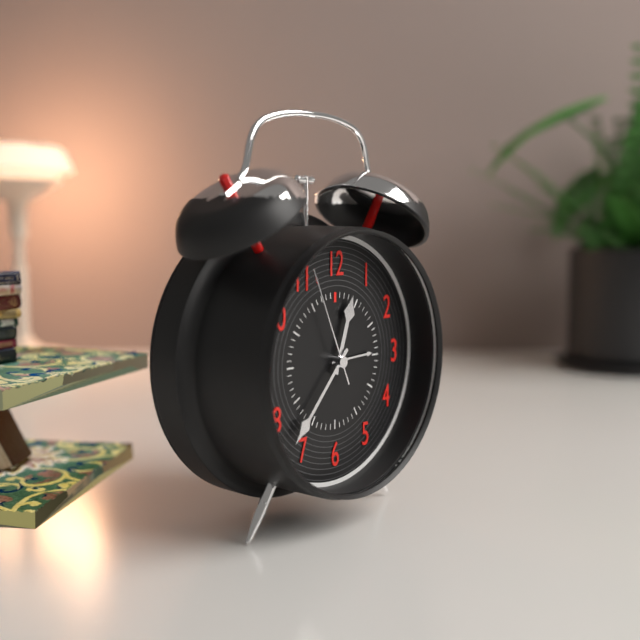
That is 12:37:56
